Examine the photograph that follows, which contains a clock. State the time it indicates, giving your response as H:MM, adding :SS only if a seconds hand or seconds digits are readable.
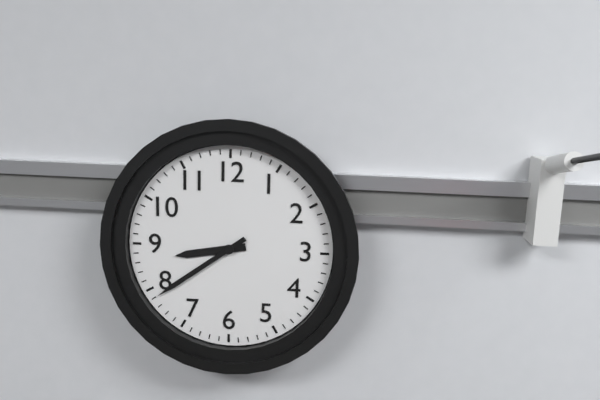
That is 8:39
